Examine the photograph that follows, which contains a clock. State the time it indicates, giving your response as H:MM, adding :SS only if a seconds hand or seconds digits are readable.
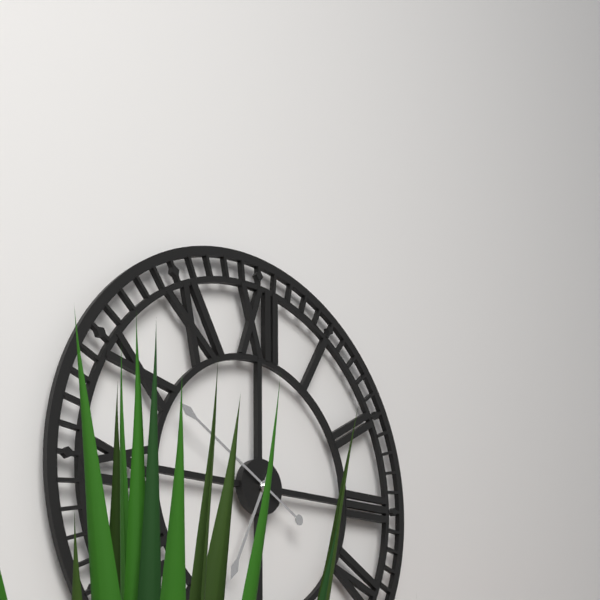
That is 6:50
